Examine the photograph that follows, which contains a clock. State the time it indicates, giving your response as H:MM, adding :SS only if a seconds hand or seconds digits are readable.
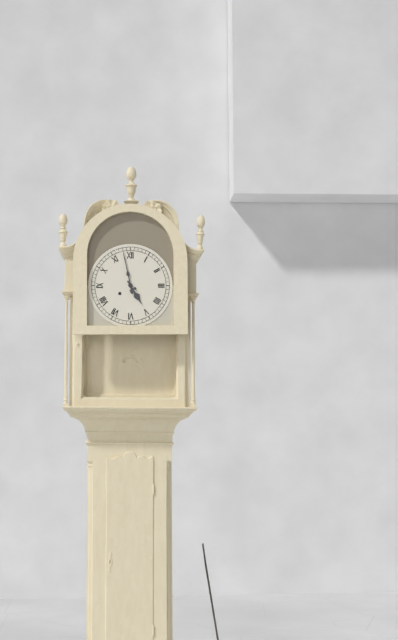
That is 4:58
